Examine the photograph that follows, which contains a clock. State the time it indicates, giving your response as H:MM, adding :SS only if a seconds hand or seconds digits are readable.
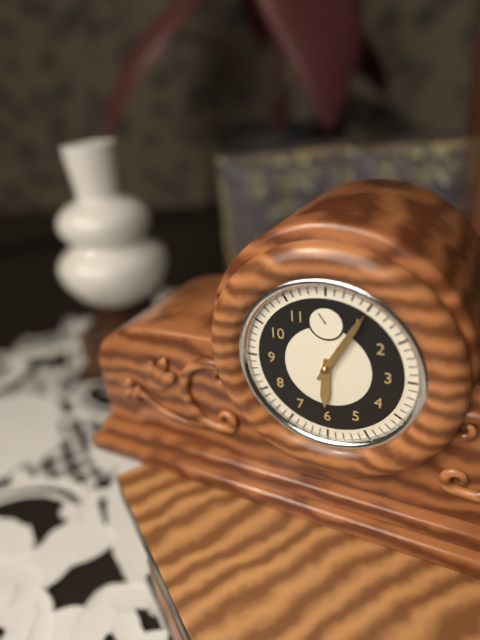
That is 6:05
